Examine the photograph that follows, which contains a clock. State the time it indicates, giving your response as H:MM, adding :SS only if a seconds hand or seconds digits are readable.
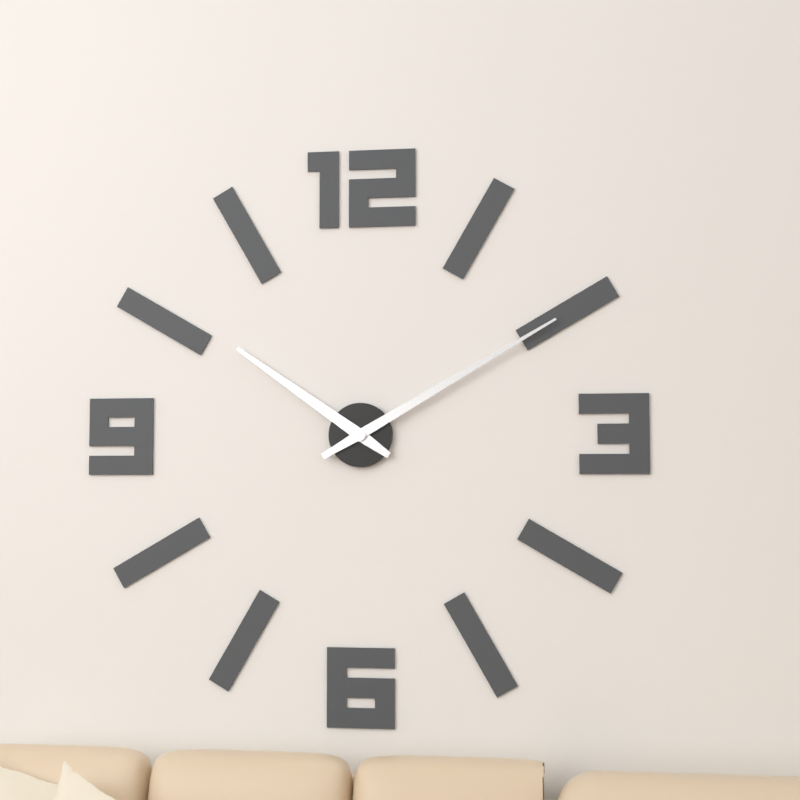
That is 10:10
